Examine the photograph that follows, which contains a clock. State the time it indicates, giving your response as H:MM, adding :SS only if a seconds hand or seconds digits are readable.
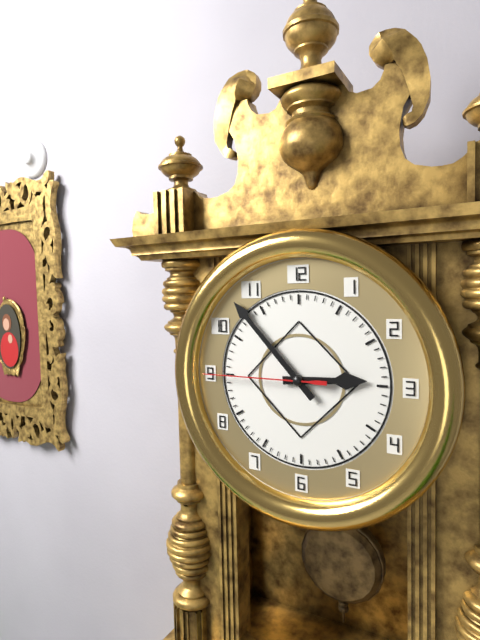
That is 2:53:45
